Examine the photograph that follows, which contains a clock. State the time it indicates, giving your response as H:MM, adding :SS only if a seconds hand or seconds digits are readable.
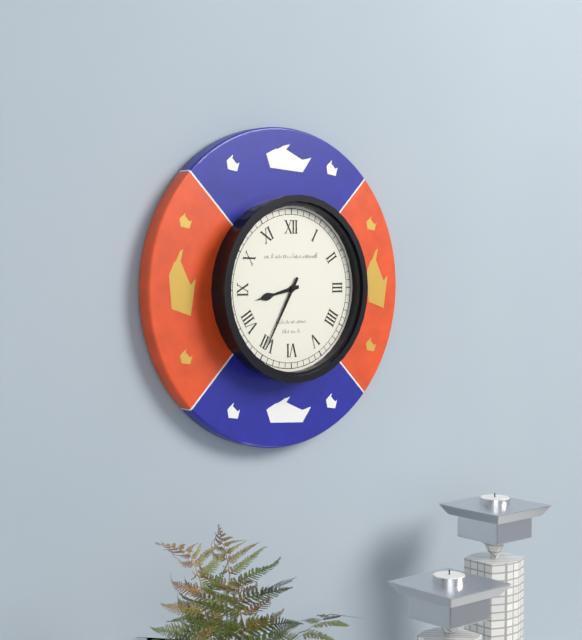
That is 8:35
